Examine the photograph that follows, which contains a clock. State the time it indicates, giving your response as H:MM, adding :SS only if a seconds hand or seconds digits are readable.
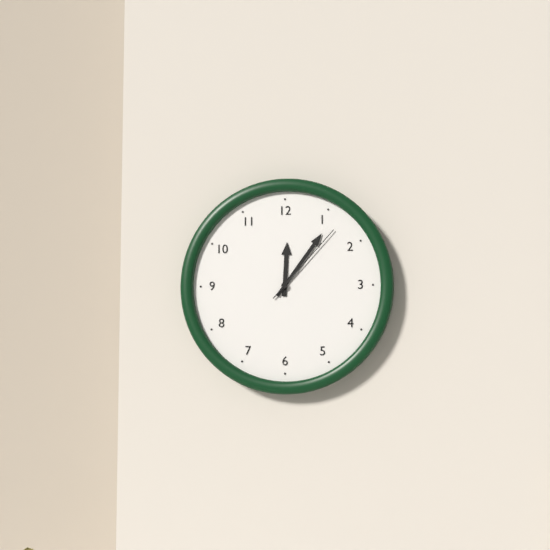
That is 12:06:07
